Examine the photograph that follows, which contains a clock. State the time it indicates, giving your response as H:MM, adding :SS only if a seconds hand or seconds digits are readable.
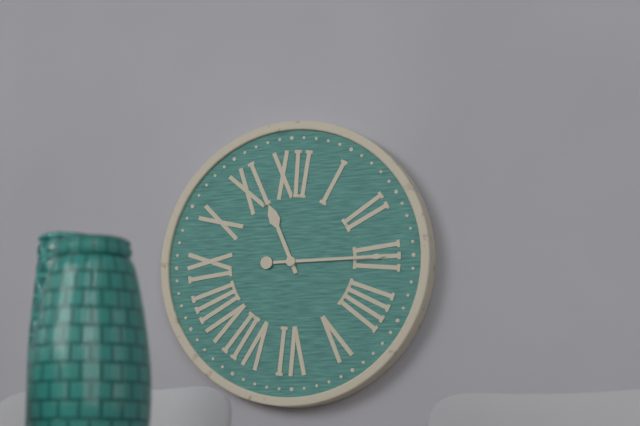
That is 11:15
